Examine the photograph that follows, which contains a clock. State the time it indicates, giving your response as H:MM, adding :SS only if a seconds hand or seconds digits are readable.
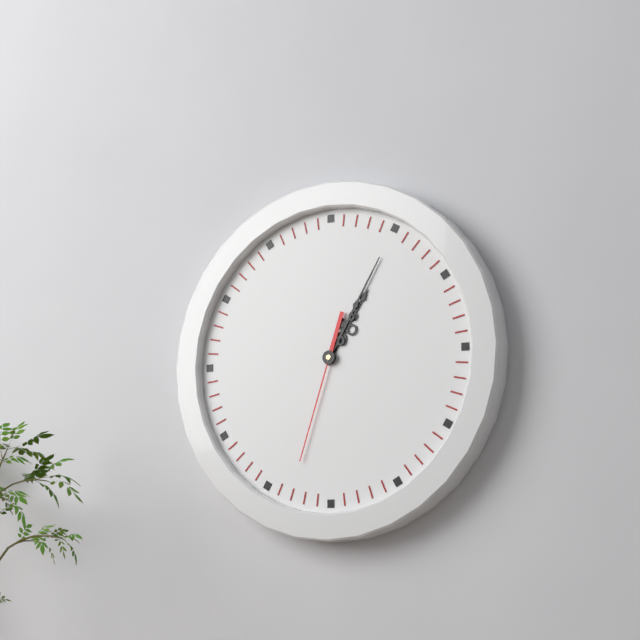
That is 1:05:33
